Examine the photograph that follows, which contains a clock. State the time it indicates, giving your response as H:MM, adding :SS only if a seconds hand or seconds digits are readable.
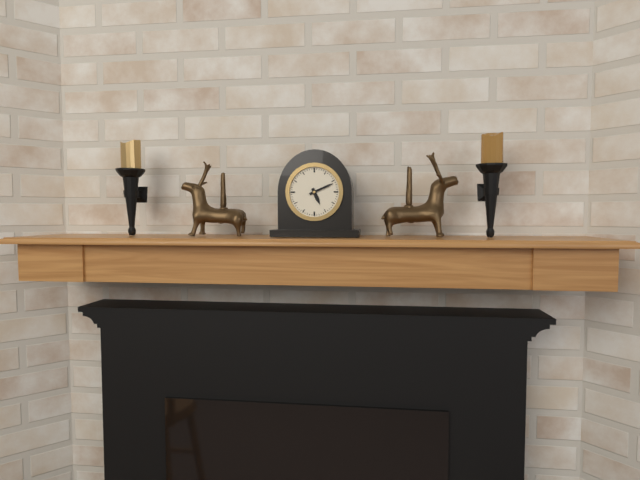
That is 5:11
